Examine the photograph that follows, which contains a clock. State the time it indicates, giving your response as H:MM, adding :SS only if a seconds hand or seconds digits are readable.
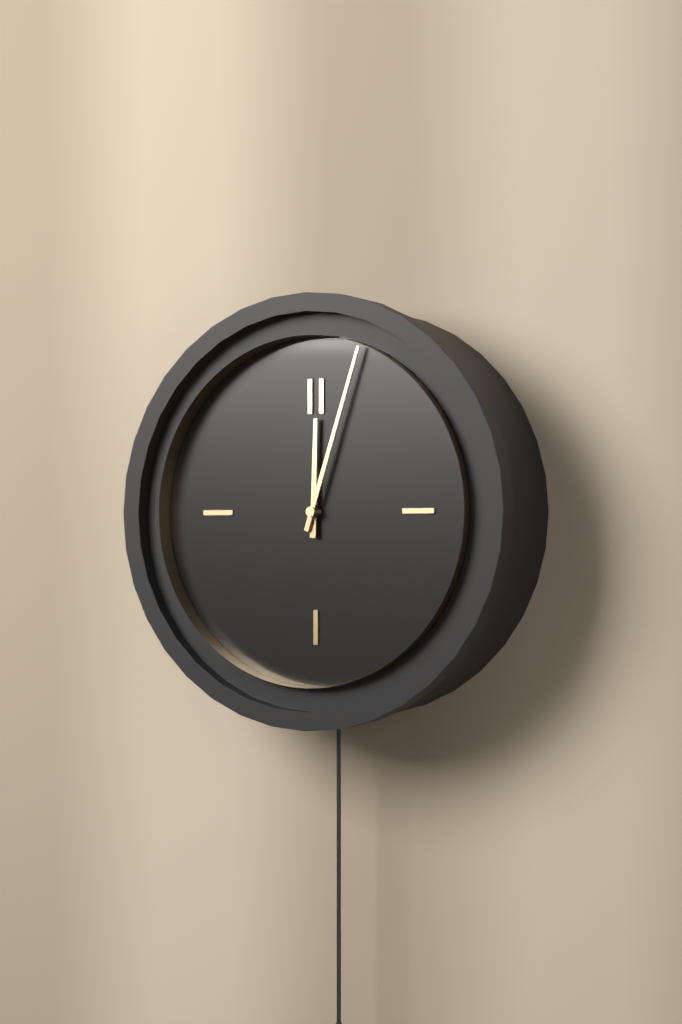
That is 12:03
